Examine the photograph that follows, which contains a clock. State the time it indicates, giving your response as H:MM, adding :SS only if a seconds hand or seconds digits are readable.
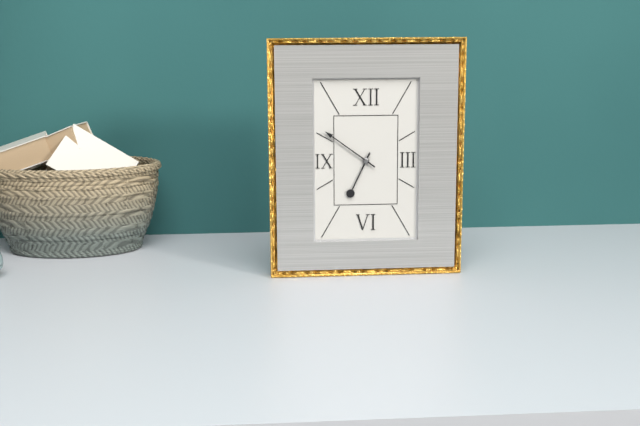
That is 6:51
